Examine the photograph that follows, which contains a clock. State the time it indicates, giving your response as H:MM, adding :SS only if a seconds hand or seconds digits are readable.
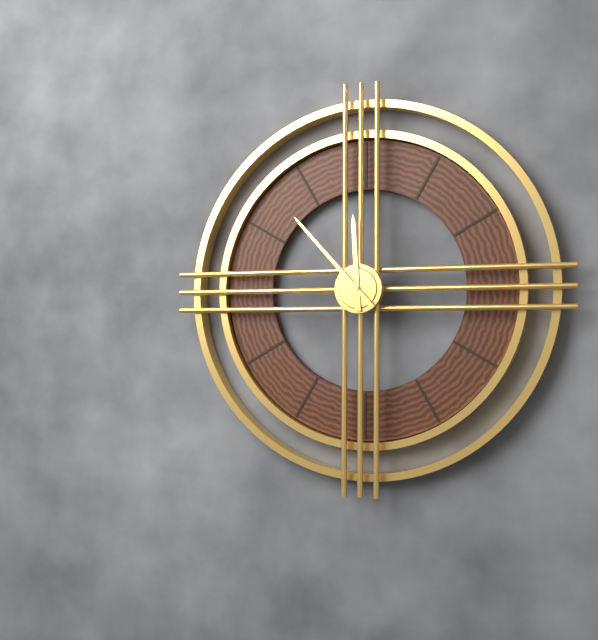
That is 11:53
